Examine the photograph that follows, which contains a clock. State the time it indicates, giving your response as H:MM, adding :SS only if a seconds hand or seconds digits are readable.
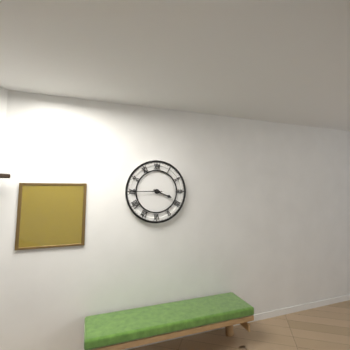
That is 3:45
